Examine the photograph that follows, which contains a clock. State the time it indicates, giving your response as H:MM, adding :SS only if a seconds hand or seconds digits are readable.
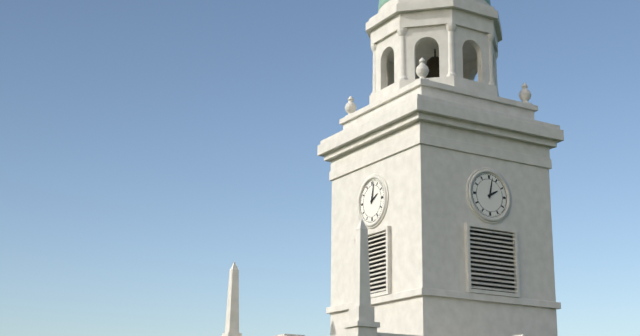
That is 2:02
